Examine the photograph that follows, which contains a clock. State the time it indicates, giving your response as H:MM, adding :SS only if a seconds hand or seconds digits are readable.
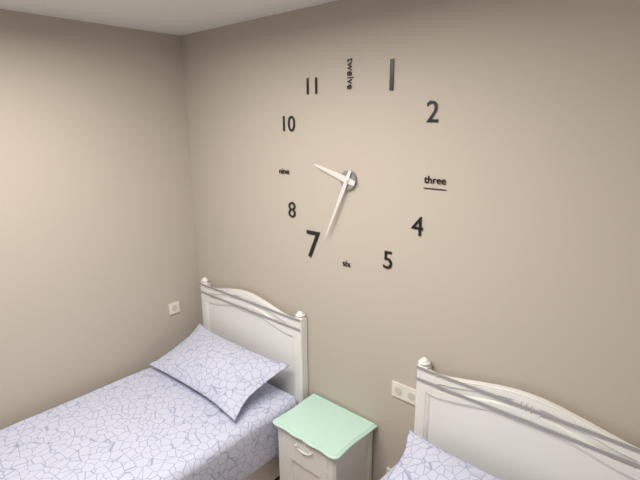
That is 9:34
